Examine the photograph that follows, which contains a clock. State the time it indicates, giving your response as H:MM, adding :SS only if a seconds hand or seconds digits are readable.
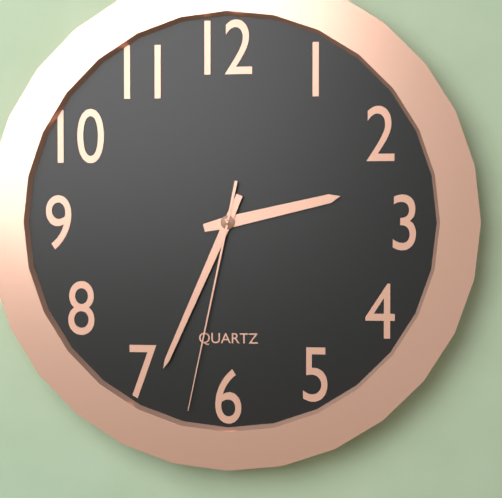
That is 2:34:32
